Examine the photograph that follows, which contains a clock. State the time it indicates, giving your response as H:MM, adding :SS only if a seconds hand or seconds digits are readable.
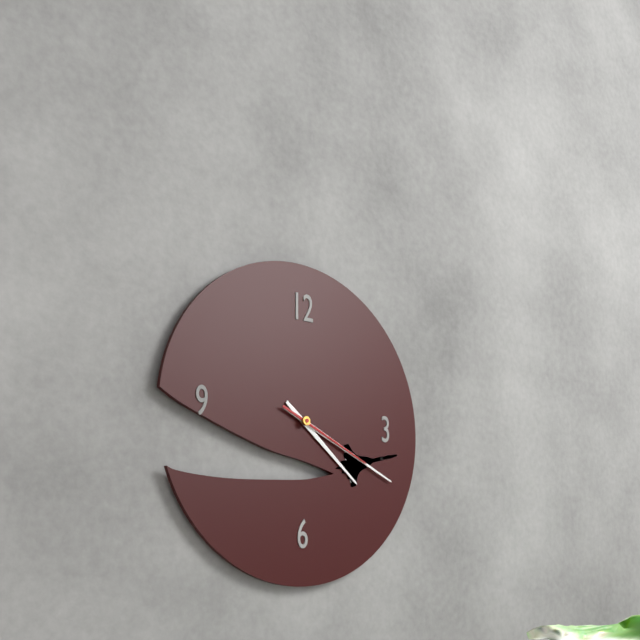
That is 4:19:19
